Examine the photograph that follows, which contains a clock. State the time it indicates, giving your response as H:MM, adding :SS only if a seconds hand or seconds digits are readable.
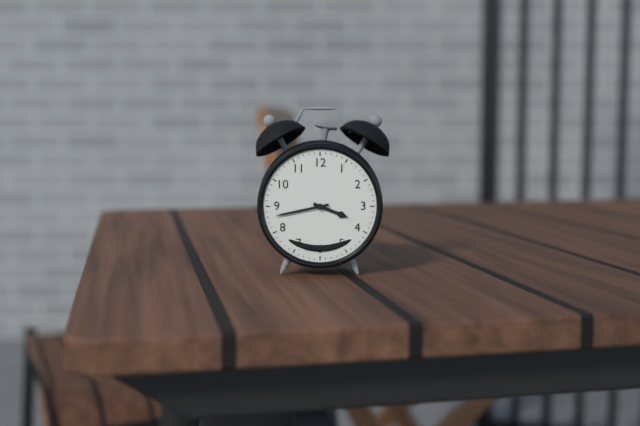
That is 3:43
